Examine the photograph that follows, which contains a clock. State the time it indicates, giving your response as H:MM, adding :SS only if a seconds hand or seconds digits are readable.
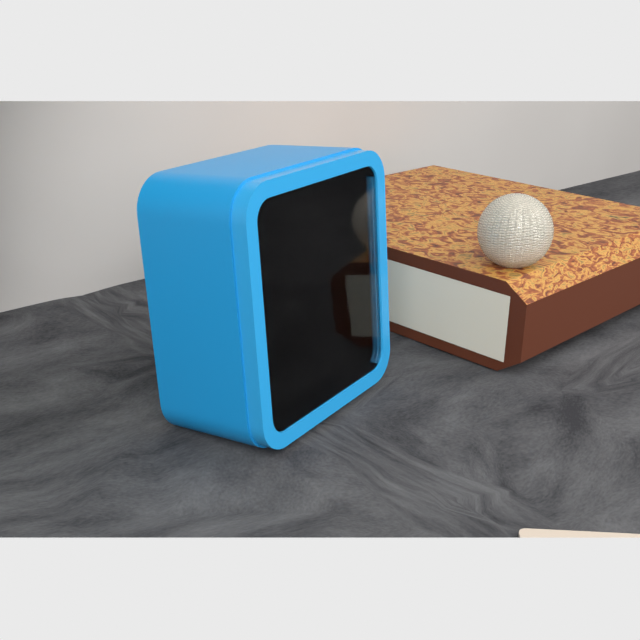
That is 8:28
